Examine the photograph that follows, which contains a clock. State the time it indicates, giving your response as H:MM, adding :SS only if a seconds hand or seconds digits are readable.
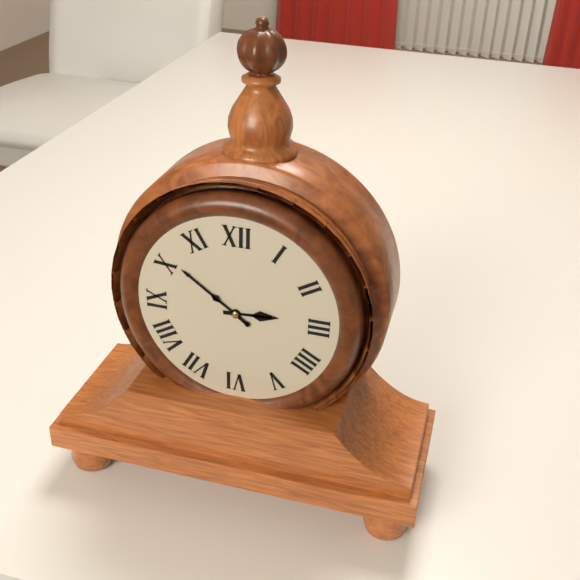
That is 2:51
